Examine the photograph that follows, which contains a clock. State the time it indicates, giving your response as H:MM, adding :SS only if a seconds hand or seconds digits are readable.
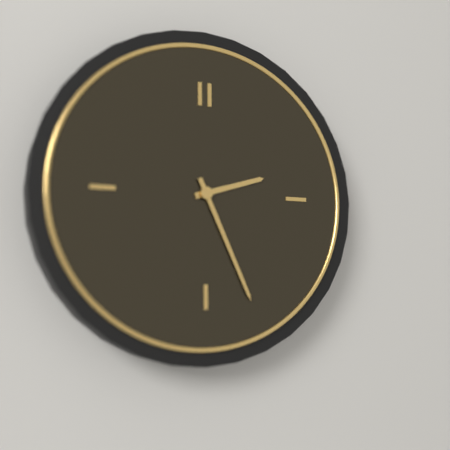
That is 2:26
